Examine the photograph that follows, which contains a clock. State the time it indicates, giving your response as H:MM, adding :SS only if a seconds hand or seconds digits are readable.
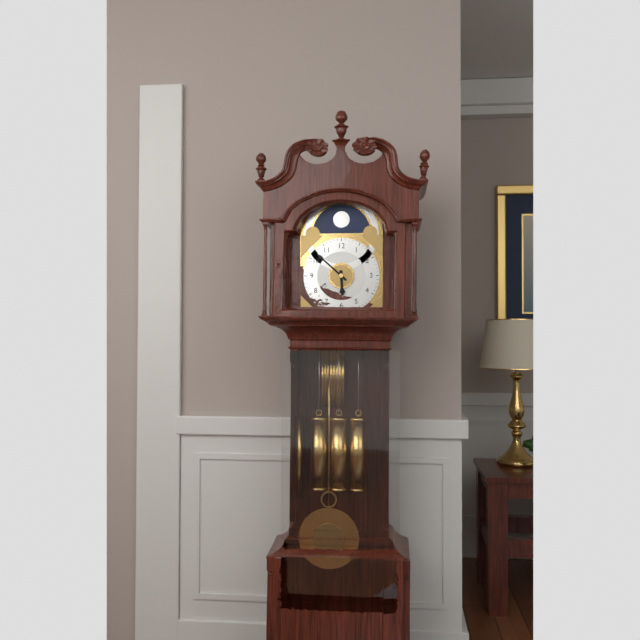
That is 5:52
